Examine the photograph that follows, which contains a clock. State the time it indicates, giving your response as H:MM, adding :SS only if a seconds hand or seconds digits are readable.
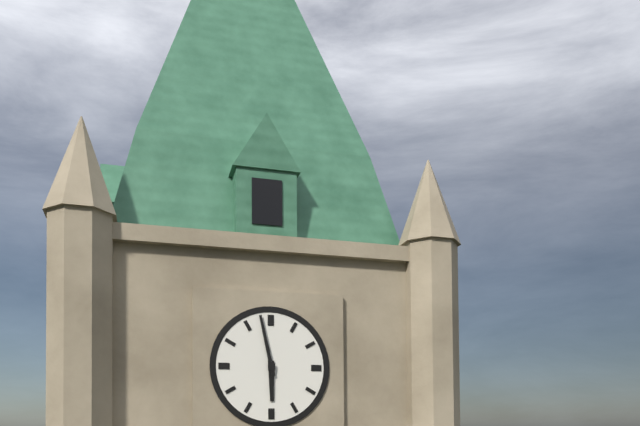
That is 5:58
